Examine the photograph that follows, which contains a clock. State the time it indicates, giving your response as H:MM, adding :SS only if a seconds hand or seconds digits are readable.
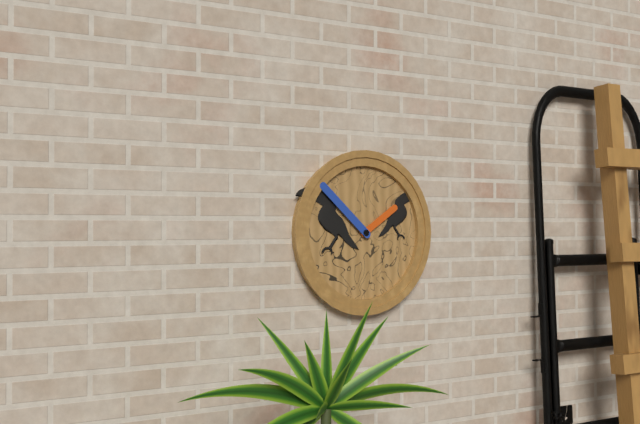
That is 1:52
